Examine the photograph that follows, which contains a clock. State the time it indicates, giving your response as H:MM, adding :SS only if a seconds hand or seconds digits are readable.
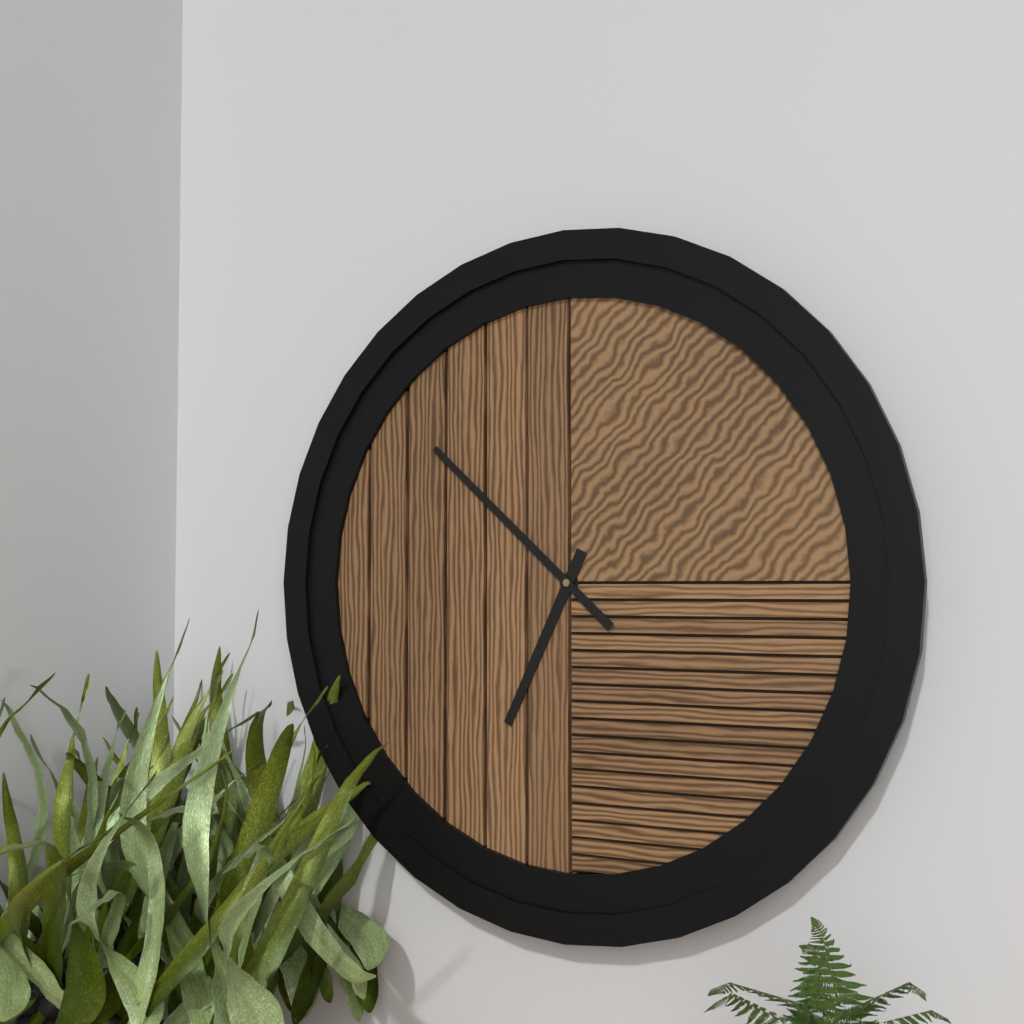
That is 6:52
